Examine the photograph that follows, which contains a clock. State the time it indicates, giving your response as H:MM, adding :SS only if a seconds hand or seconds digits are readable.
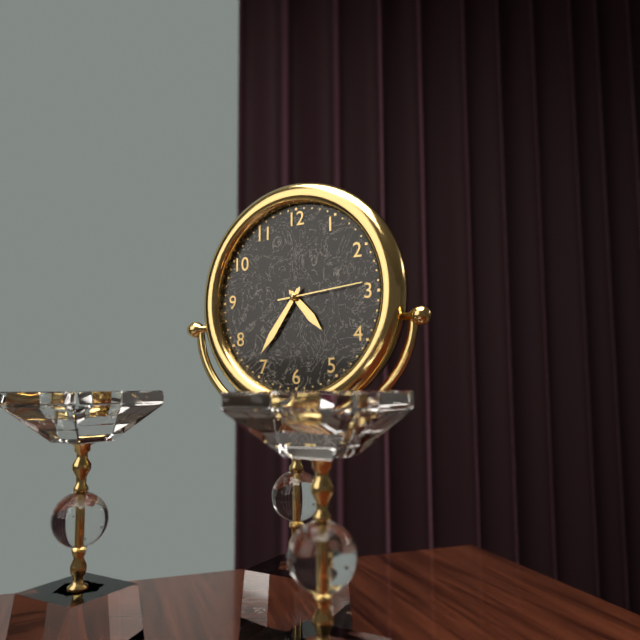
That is 4:36:14
